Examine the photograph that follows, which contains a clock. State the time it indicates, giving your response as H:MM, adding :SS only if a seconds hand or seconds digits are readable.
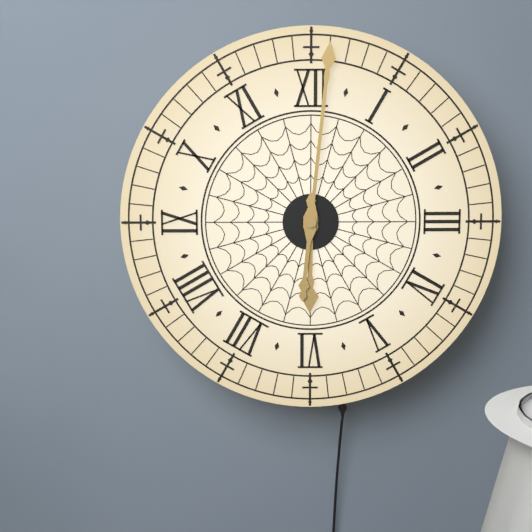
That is 6:01
